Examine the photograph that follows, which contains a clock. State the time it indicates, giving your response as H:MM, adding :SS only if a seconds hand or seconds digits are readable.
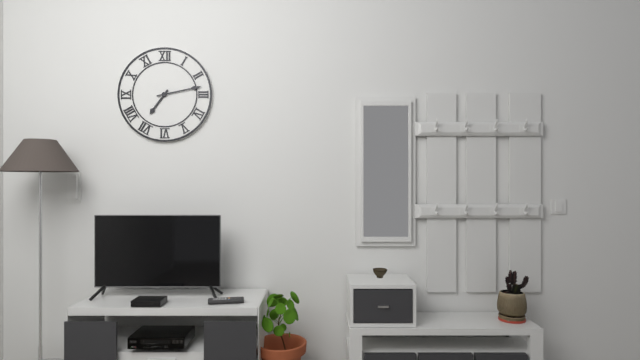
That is 7:13
